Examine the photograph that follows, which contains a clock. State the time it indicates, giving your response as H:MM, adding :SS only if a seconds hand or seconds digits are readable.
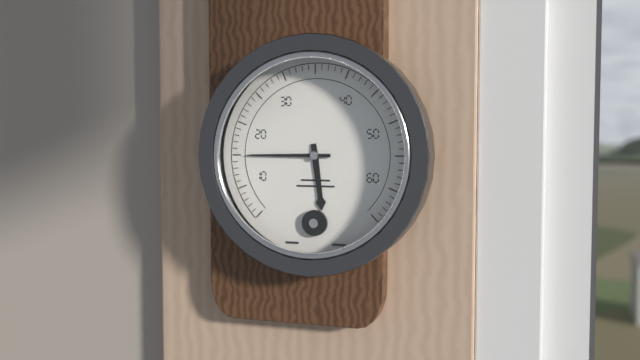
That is 5:45
